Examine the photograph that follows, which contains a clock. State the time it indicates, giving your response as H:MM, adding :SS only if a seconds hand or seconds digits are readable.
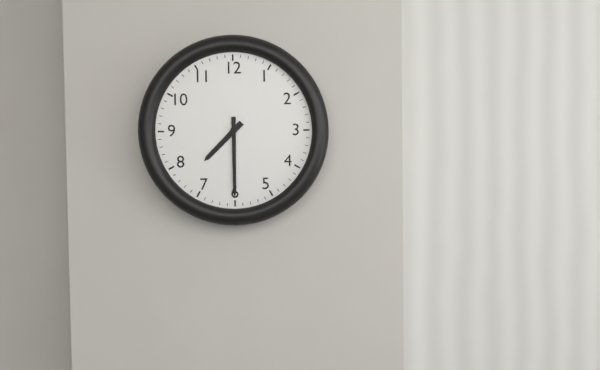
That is 7:30
